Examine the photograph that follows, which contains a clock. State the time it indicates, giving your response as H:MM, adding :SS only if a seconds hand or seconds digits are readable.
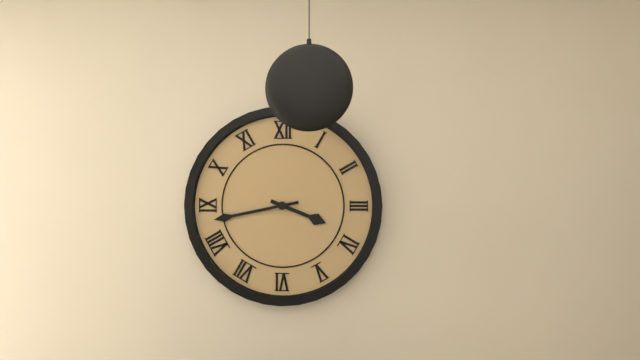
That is 3:43
